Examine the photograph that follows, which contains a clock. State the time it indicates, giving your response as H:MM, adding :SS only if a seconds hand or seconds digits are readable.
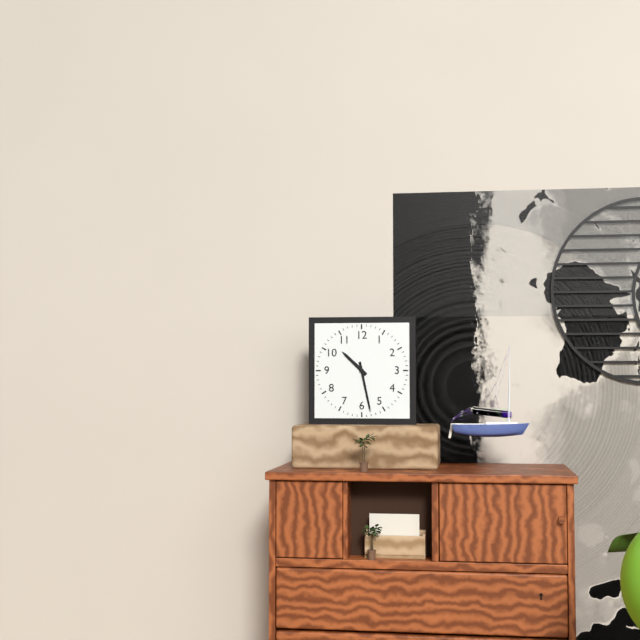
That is 10:28
